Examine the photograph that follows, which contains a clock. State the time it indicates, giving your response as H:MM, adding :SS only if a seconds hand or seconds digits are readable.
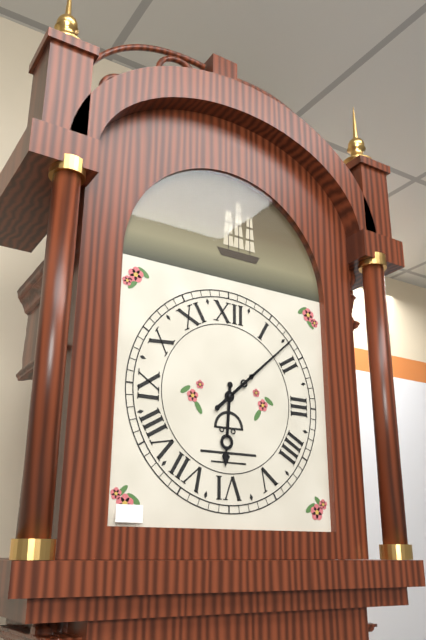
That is 6:08
